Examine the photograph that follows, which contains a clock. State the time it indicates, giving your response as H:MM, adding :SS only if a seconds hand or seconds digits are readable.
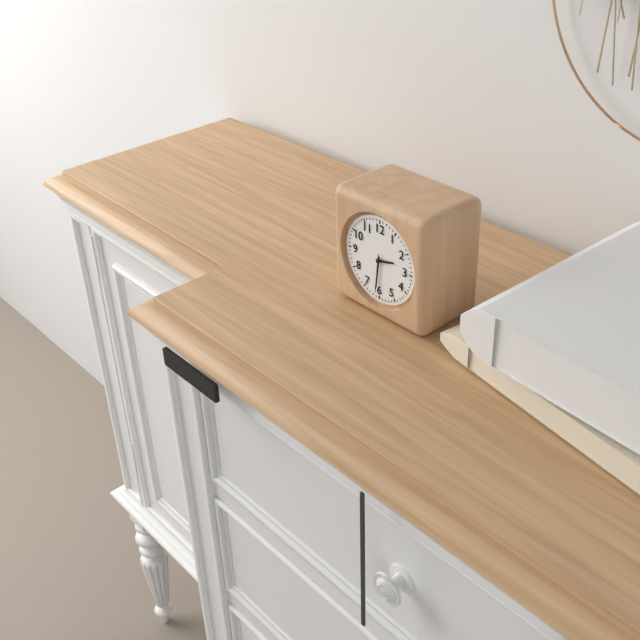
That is 2:31
